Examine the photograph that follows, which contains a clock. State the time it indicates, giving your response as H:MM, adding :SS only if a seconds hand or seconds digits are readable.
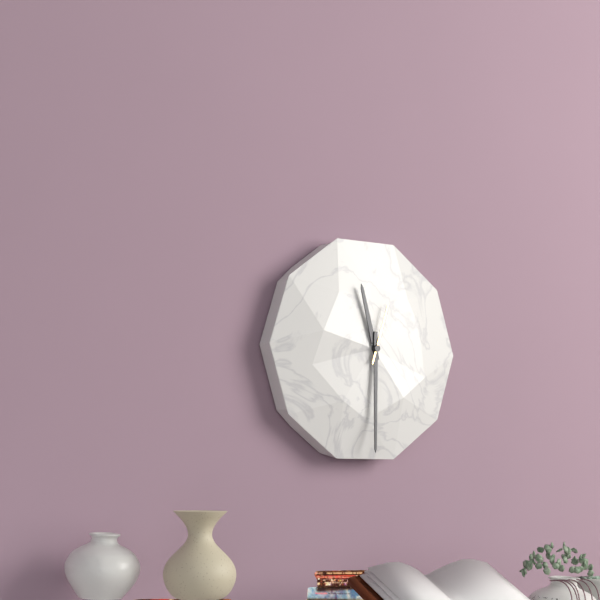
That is 11:30:03
